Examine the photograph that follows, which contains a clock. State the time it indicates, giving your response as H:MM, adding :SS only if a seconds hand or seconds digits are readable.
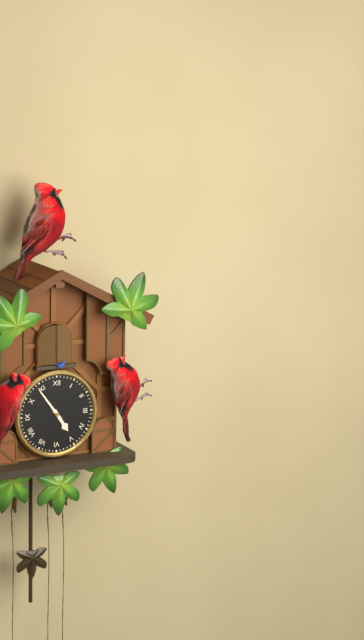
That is 4:54
